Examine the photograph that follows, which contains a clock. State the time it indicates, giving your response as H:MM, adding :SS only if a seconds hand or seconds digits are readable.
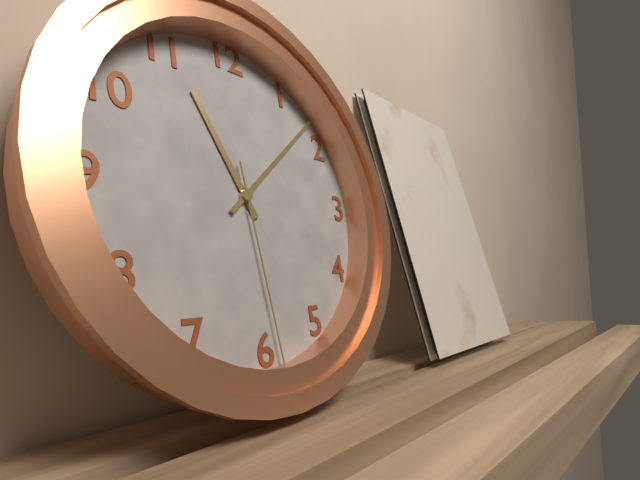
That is 11:08:29
